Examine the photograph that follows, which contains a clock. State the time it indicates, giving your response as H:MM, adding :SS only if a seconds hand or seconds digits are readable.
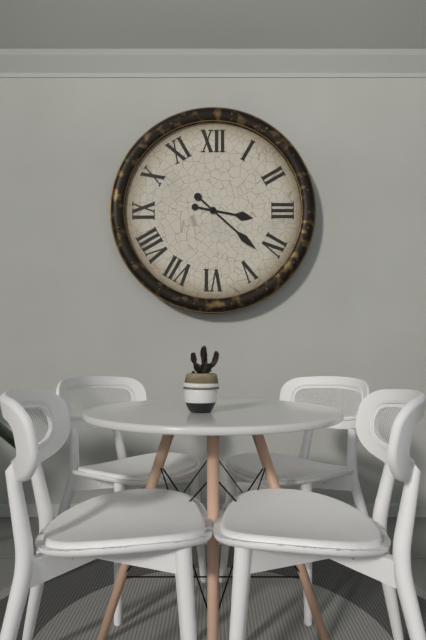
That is 3:22
